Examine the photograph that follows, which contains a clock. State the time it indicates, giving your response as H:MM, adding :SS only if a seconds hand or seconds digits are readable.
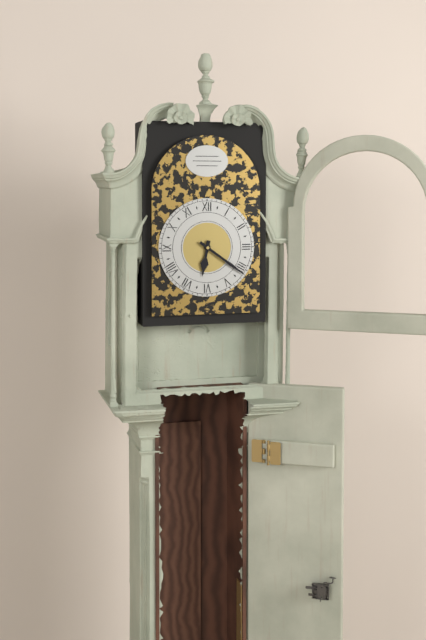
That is 6:21
